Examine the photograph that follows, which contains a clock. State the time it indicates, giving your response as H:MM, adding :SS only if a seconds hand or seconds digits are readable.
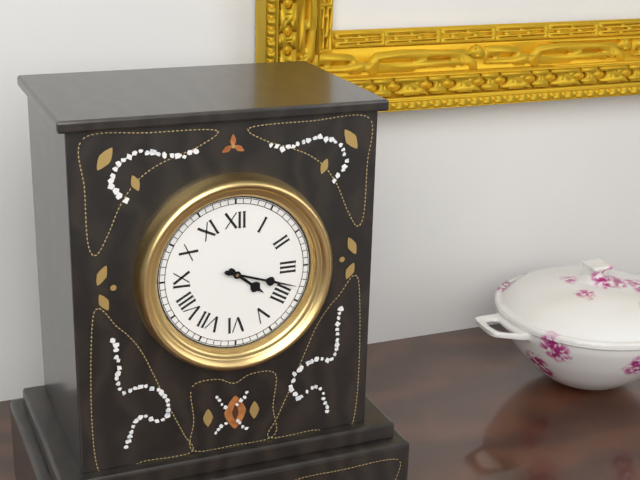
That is 4:18
